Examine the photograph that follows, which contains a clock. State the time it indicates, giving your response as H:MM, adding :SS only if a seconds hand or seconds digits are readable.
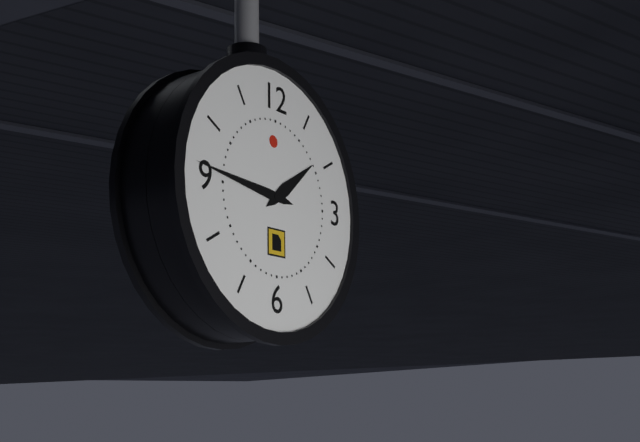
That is 1:46
